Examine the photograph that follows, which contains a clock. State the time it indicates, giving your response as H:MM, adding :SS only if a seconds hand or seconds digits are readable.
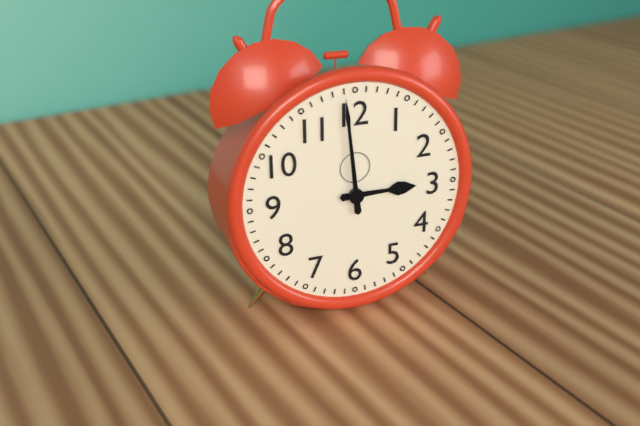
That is 2:59
